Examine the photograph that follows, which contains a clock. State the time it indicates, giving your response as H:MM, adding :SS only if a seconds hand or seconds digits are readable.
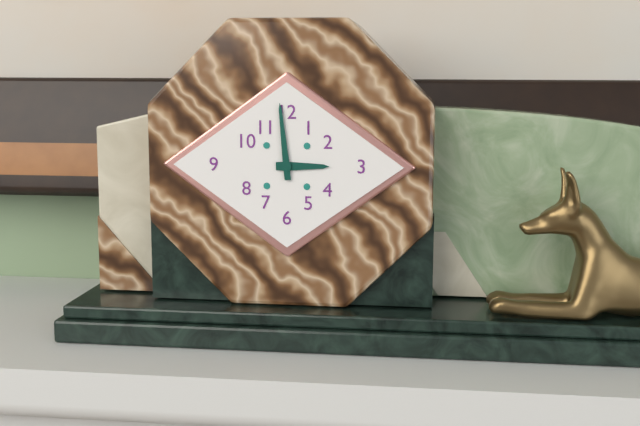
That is 2:59
